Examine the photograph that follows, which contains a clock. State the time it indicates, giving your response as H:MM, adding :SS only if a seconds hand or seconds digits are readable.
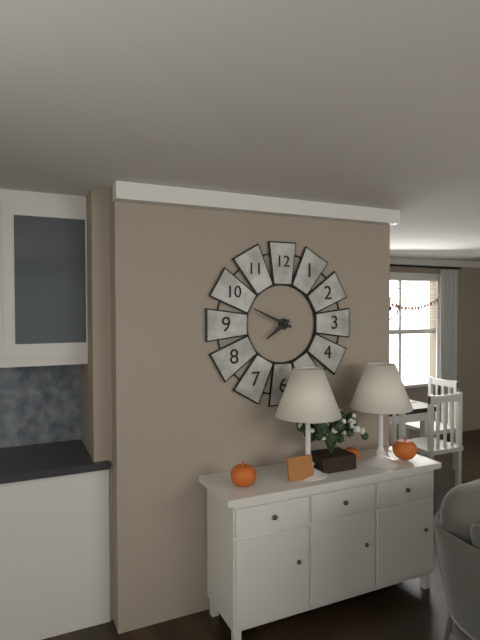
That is 7:49
